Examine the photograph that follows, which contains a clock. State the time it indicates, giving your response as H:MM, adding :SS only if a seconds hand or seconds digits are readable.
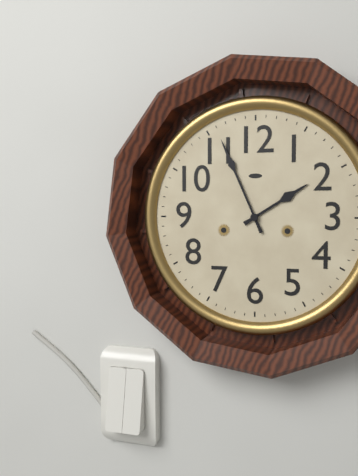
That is 1:56
